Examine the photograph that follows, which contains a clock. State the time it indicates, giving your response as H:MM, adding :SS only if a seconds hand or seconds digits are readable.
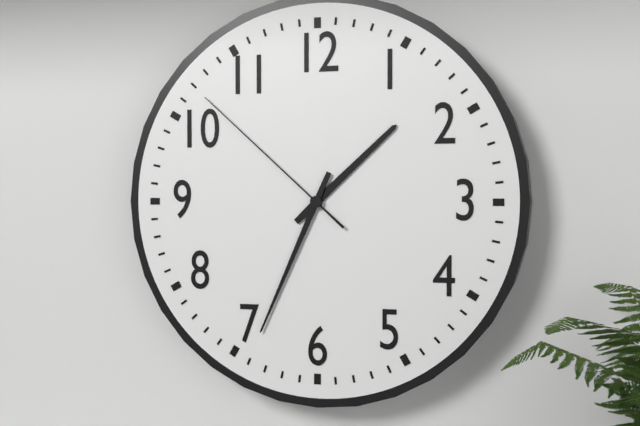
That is 1:34:52
